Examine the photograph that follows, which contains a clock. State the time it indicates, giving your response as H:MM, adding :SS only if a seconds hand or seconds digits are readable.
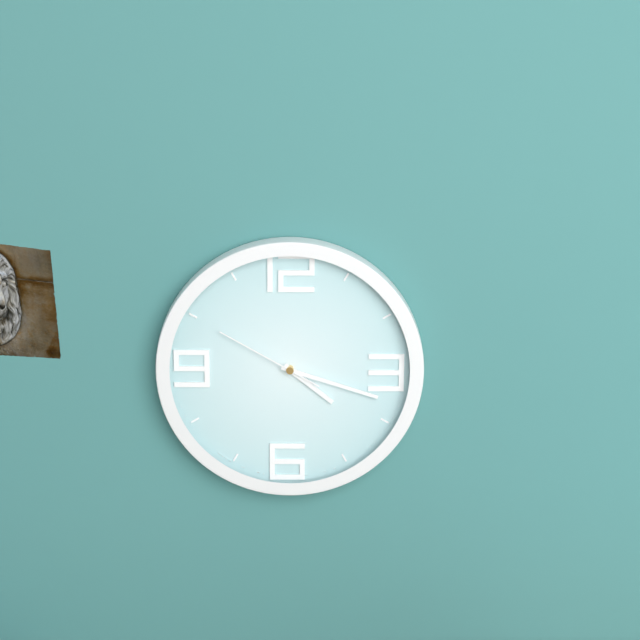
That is 4:18:50
